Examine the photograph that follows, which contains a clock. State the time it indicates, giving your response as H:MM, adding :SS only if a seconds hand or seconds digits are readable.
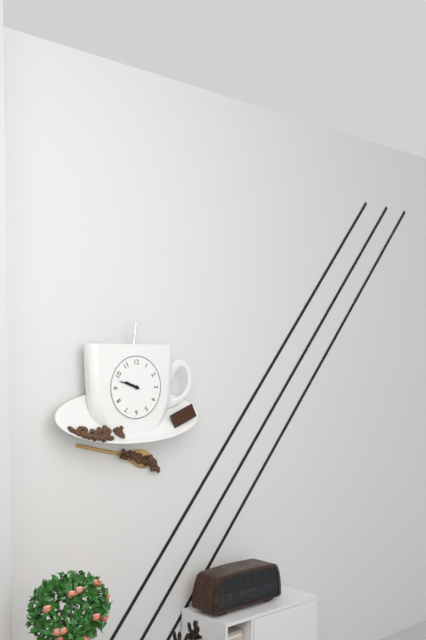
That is 9:48
